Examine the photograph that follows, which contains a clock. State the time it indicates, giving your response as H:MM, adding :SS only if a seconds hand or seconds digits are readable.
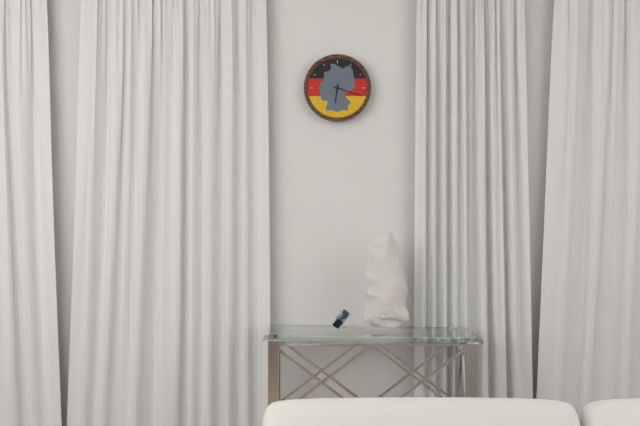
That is 6:18
